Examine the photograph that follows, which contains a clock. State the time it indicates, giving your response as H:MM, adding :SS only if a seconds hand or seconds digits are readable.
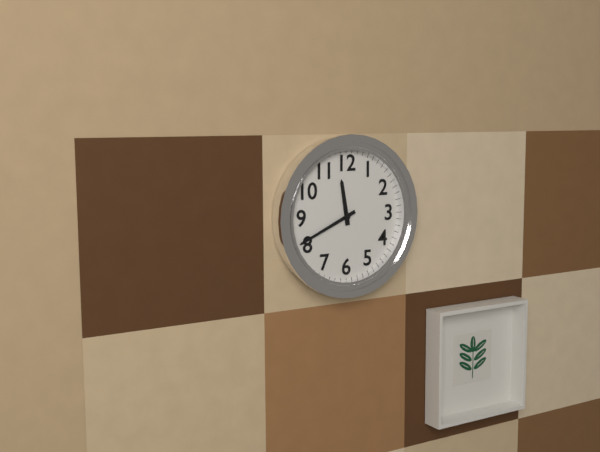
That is 11:41
